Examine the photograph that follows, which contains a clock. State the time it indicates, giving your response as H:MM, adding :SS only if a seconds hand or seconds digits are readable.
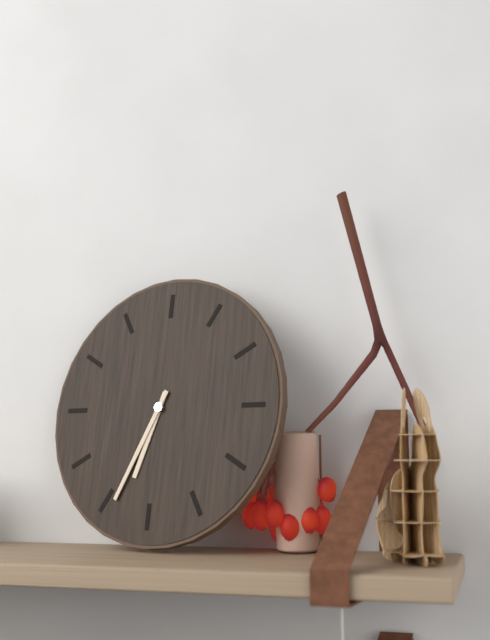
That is 6:34
